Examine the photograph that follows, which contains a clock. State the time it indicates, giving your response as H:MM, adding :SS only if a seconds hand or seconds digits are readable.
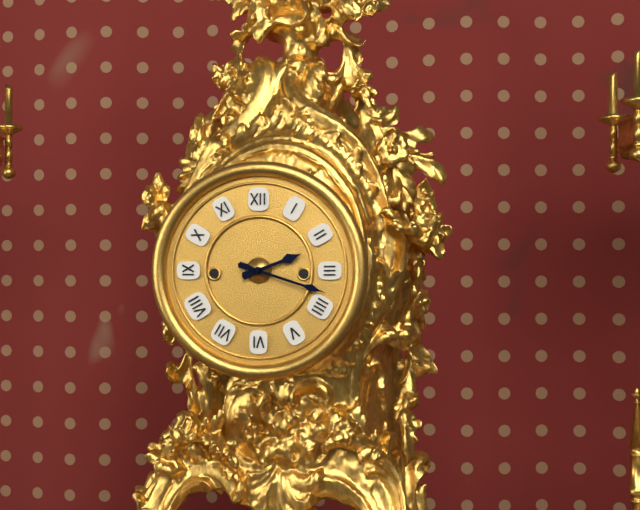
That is 2:18
